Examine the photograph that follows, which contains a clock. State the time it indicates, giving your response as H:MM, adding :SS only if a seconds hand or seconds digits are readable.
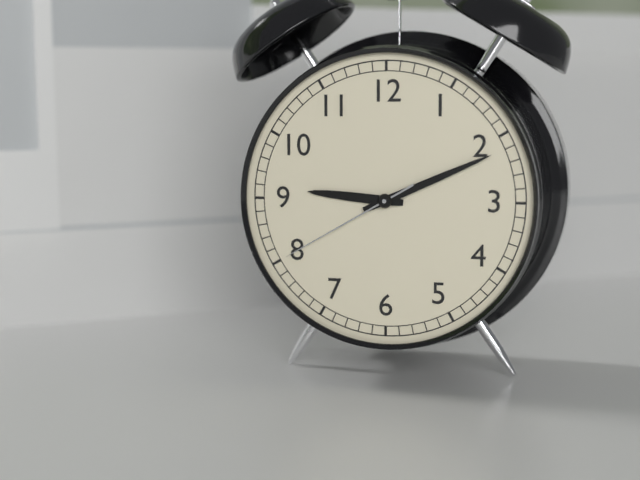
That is 9:11:40
